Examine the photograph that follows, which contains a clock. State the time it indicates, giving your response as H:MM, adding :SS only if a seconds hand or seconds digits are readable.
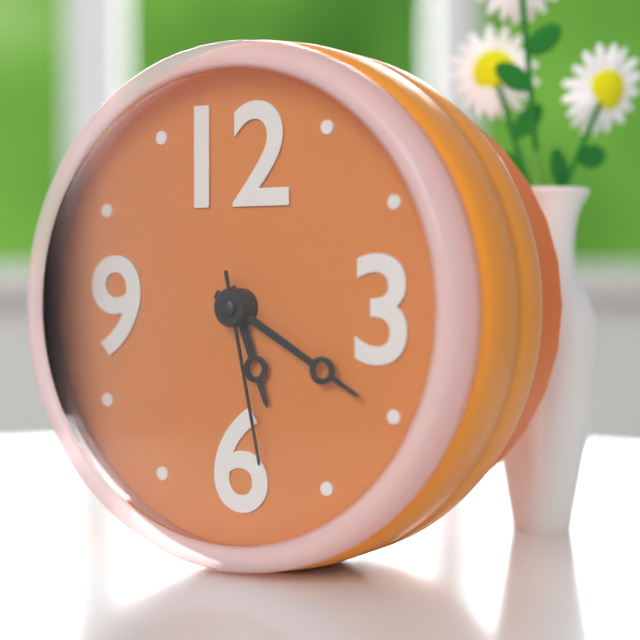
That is 5:20:28
